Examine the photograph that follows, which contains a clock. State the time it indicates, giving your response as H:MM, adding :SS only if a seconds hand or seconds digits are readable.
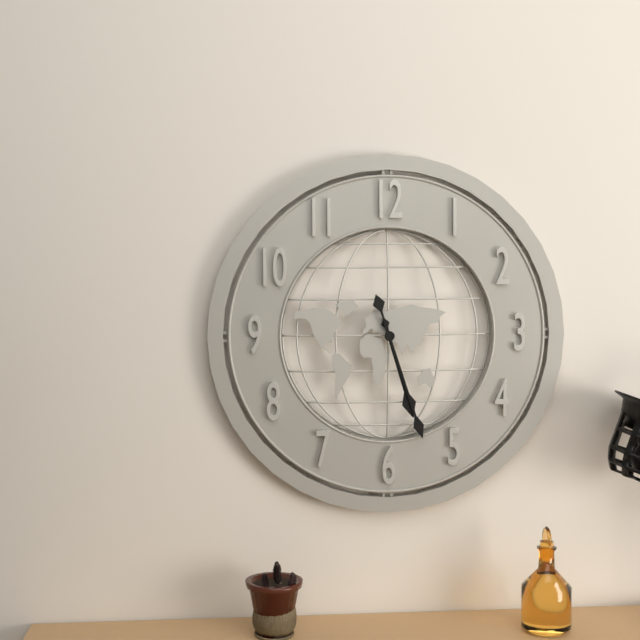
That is 5:27
